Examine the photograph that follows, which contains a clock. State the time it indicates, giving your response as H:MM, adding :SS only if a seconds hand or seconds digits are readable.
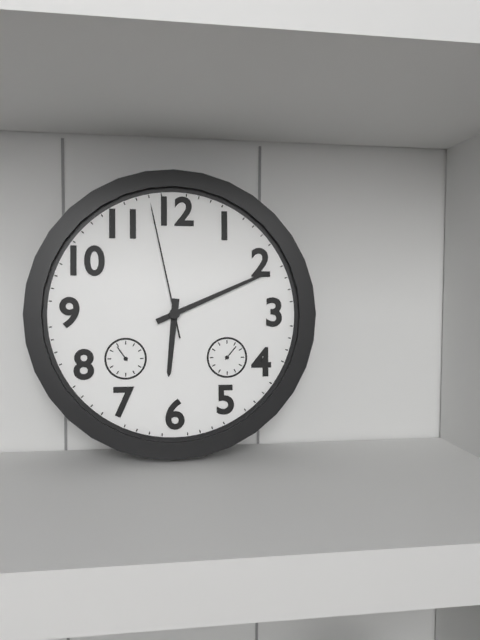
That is 6:11:58
